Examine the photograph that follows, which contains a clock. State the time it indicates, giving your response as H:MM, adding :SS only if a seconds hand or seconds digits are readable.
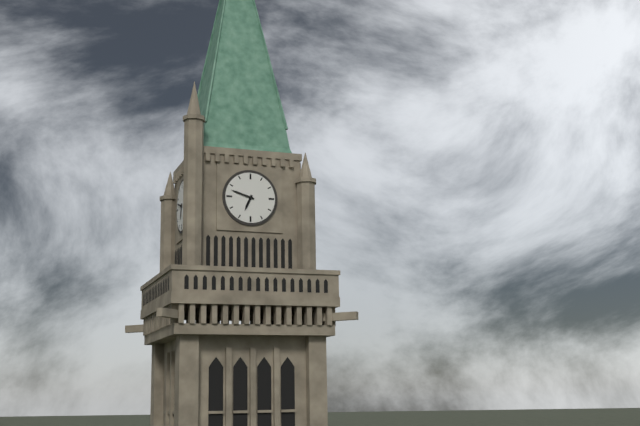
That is 6:48
